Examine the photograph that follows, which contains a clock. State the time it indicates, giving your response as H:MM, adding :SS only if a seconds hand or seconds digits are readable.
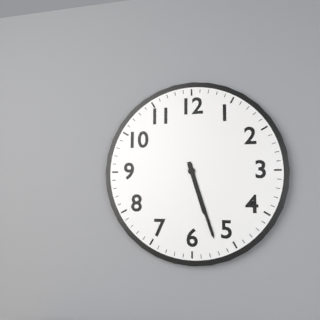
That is 5:27
